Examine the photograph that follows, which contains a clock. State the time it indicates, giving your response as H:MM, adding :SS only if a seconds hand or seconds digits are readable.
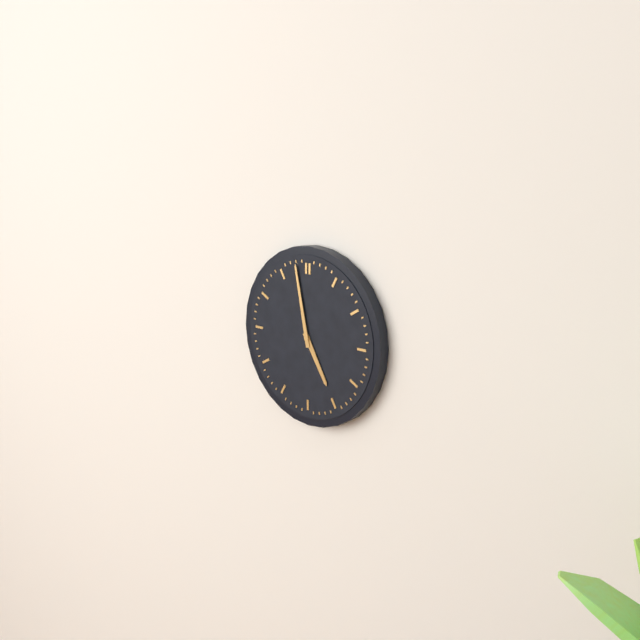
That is 4:58
